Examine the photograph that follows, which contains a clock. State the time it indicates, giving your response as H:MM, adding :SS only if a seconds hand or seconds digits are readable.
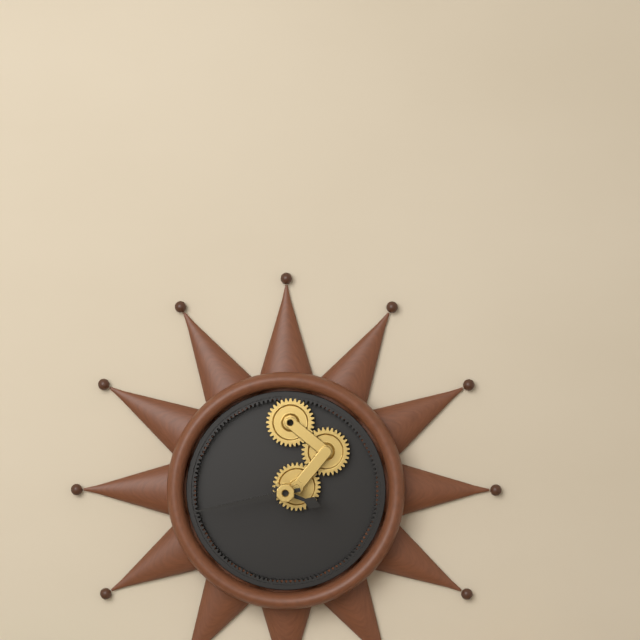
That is 3:43
